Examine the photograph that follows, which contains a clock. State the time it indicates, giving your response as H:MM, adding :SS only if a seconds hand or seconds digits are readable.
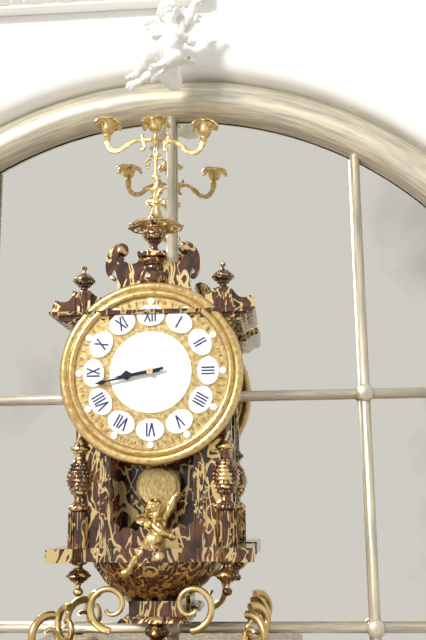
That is 8:43
